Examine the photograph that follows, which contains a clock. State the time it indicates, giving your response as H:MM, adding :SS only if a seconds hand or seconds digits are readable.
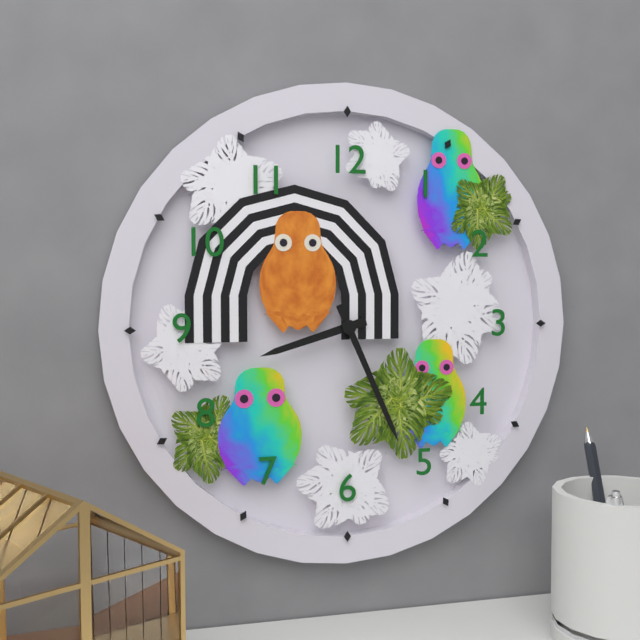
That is 8:26
